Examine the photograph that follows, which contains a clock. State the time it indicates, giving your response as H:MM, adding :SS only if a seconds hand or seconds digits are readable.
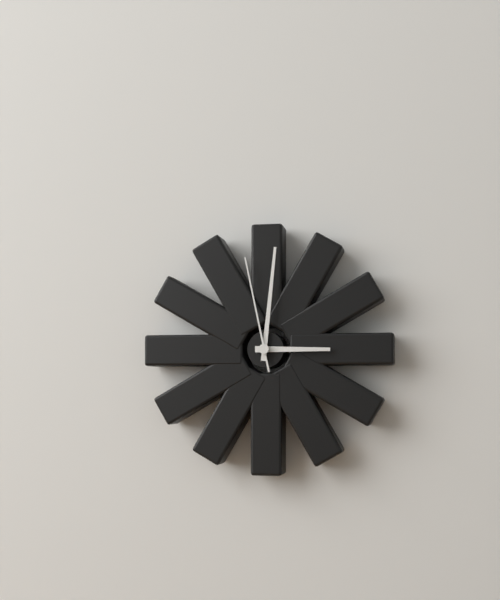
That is 3:01:58
